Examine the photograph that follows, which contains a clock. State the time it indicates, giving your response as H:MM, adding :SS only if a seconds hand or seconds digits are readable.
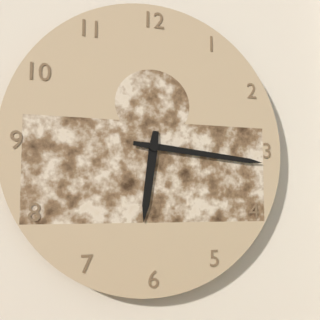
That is 6:16
